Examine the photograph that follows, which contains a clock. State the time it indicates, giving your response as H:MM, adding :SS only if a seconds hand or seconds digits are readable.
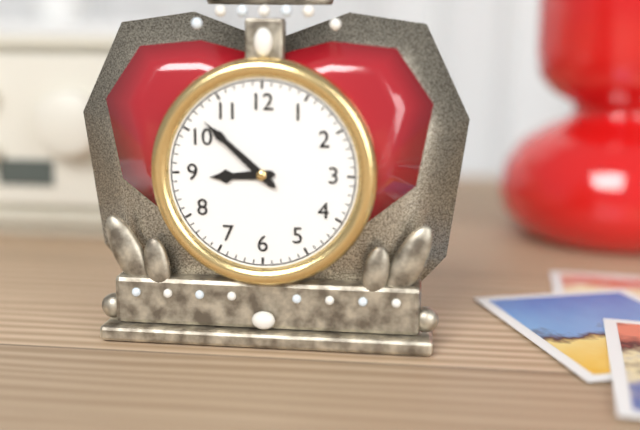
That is 8:52
